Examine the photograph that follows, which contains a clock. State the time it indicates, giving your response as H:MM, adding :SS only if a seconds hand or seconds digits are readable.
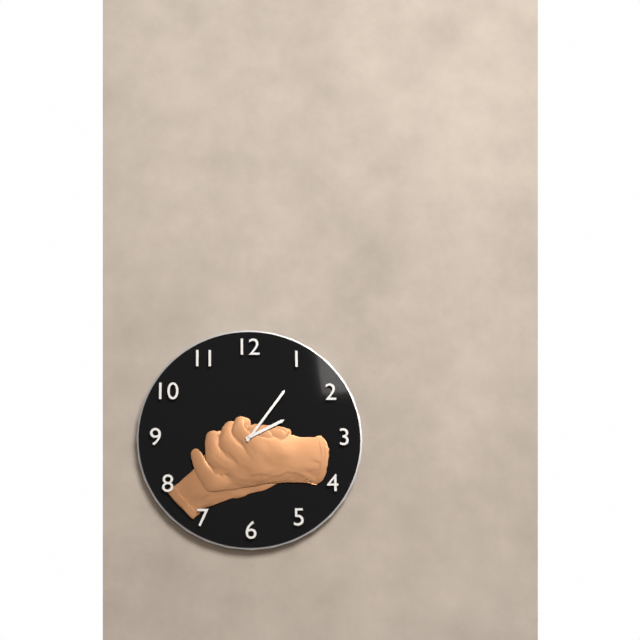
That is 2:06
